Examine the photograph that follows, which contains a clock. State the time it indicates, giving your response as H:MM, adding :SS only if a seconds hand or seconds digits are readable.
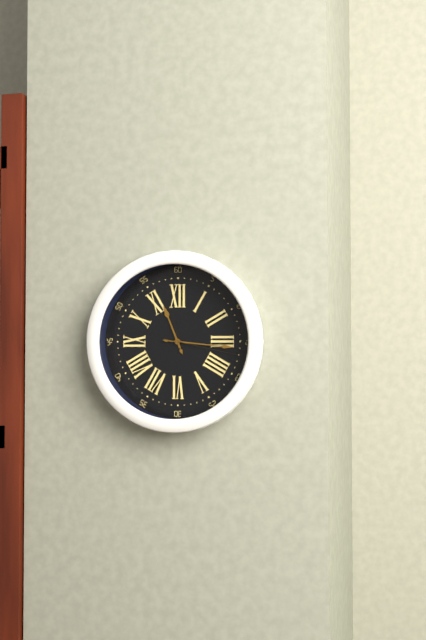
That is 11:16:17
